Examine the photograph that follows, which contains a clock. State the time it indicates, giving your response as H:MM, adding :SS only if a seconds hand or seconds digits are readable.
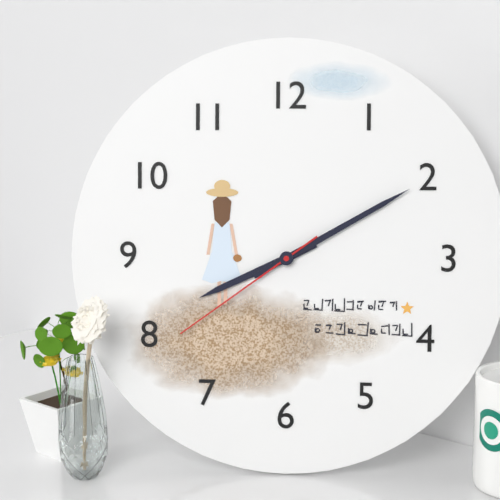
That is 8:10:39
